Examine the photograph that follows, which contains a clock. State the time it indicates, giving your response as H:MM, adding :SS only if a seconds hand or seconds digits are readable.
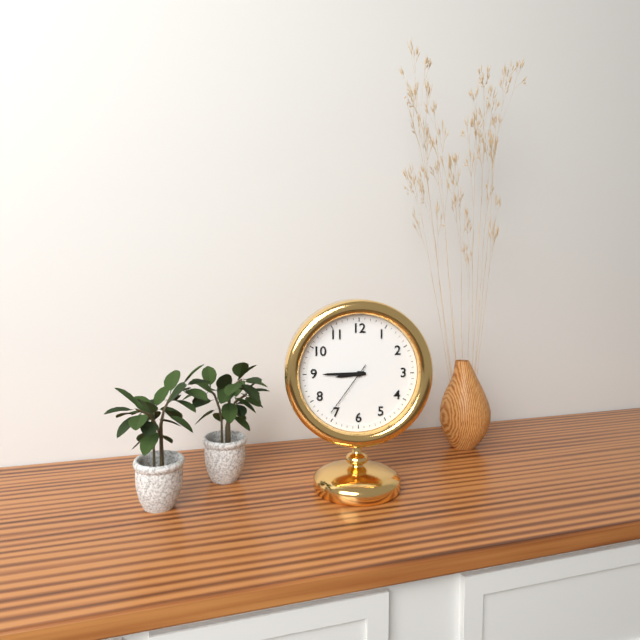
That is 8:45:36
